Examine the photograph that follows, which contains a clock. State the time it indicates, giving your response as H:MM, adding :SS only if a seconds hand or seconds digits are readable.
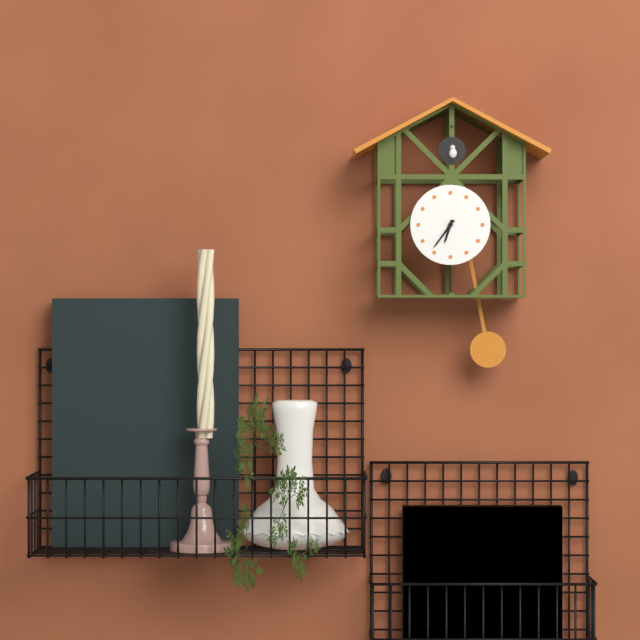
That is 6:36
